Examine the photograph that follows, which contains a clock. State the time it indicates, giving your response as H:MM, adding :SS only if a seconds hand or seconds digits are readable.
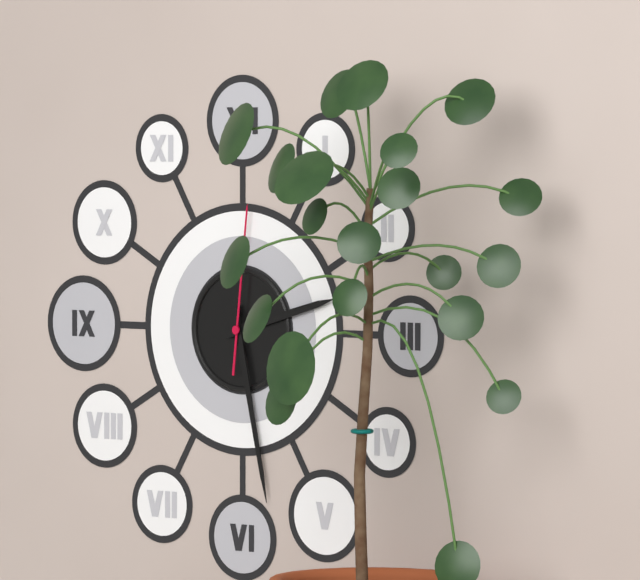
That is 2:28:01
